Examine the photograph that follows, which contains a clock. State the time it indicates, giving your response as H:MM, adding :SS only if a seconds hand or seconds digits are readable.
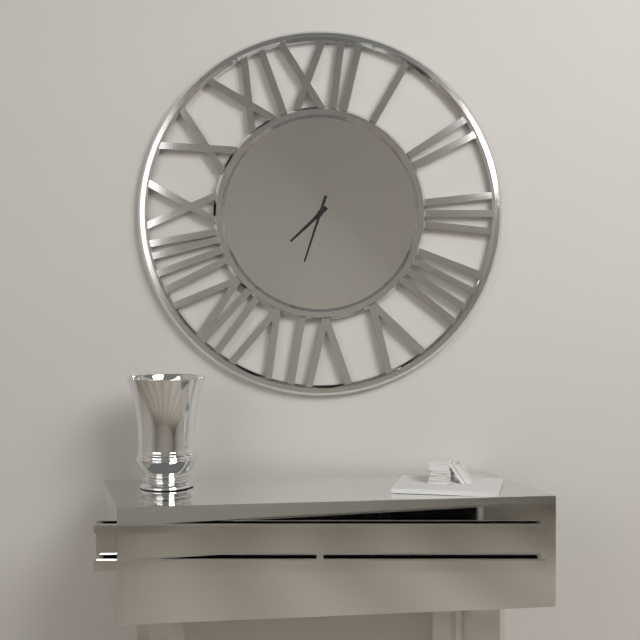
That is 7:33
